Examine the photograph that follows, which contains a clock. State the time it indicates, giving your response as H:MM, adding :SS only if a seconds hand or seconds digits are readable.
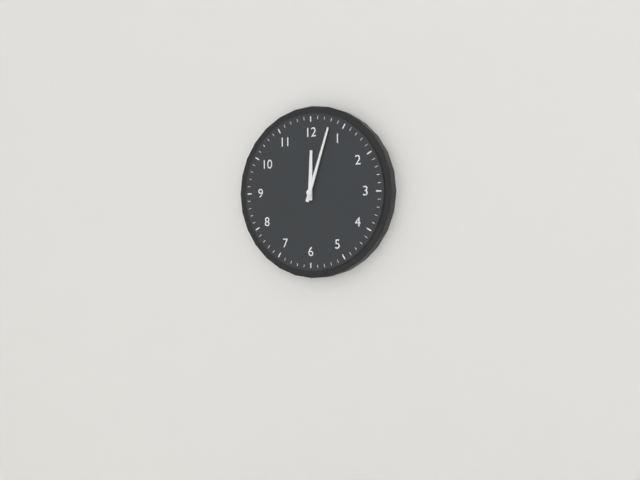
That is 12:03
